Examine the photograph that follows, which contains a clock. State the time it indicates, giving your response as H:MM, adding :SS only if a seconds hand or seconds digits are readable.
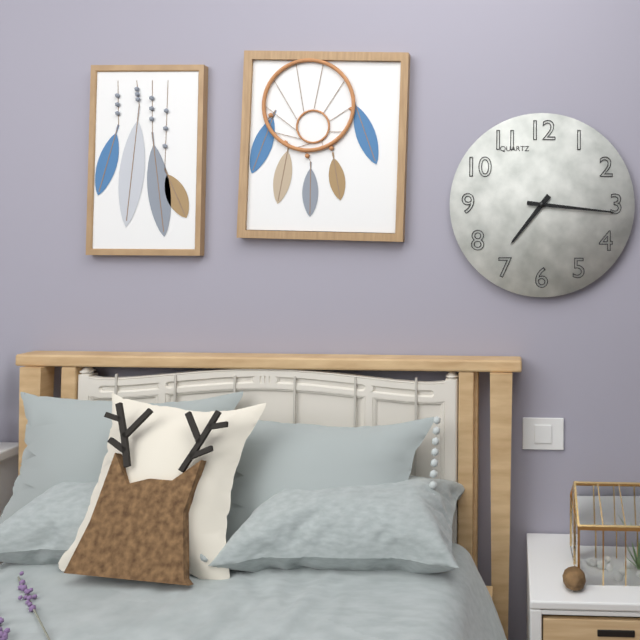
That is 7:16
